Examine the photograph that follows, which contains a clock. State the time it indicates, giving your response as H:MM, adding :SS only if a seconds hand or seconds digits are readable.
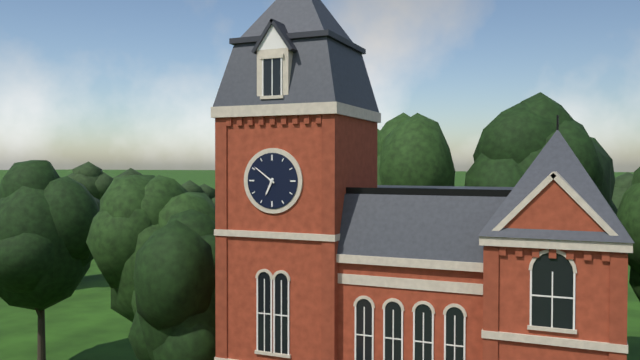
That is 6:51
